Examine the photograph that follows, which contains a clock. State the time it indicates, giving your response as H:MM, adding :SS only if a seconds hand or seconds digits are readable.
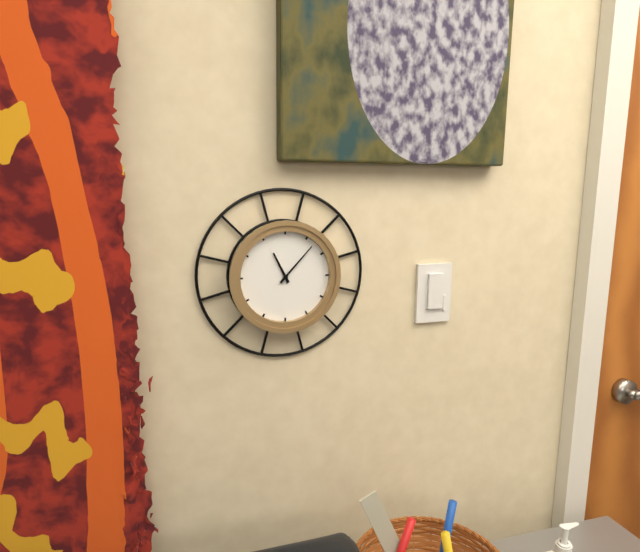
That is 11:07
